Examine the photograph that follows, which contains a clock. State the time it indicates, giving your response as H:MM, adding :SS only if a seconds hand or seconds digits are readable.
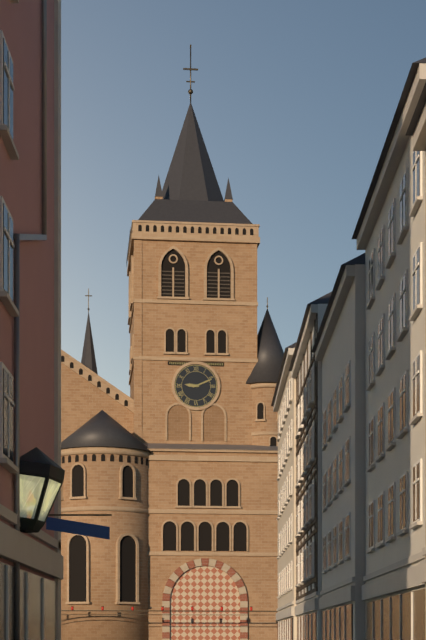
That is 9:11
